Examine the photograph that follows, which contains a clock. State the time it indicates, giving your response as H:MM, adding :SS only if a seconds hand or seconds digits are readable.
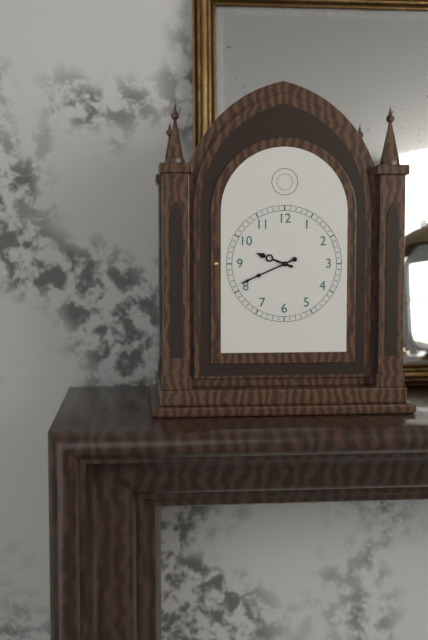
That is 9:41
